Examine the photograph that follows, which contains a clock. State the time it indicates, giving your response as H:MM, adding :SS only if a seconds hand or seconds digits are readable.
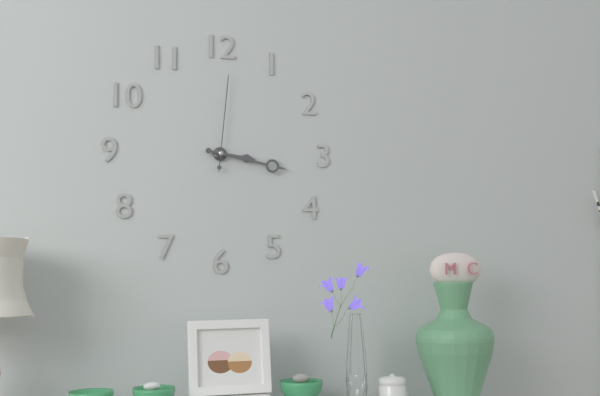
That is 3:17:01
